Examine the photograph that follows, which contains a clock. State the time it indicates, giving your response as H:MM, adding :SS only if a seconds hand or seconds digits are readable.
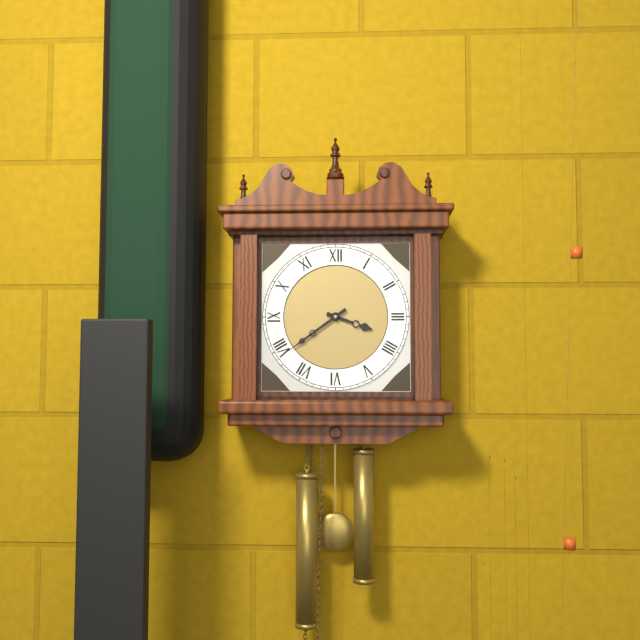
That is 3:39
